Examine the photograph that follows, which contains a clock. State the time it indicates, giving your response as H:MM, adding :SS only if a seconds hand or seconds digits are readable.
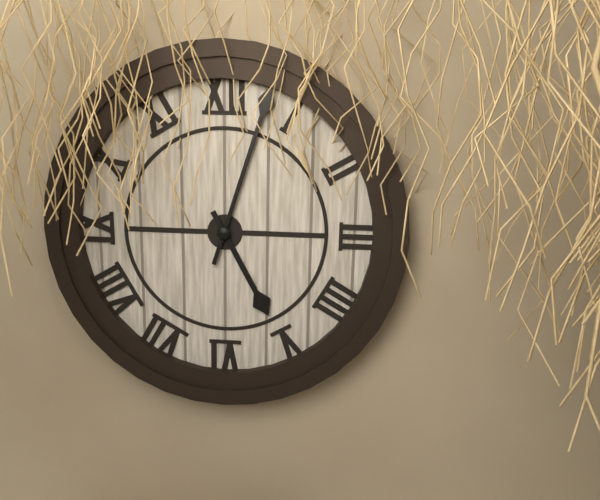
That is 5:03
